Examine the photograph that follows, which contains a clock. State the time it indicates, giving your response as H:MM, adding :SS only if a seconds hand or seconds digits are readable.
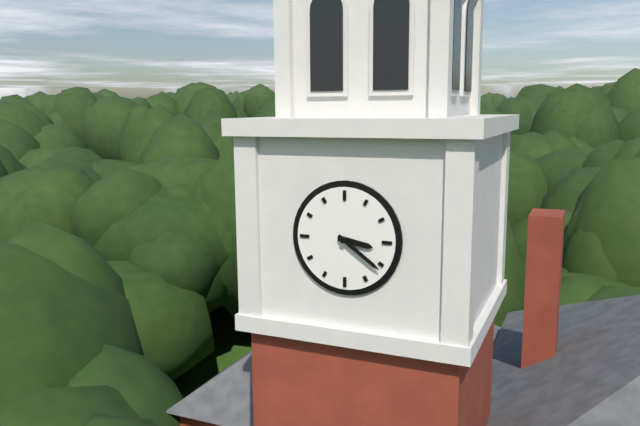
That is 3:21
